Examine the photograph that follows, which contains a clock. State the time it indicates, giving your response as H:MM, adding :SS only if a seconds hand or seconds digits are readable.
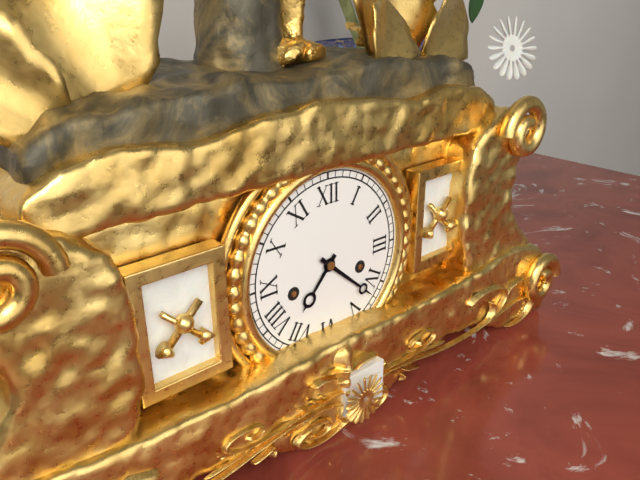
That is 7:22
